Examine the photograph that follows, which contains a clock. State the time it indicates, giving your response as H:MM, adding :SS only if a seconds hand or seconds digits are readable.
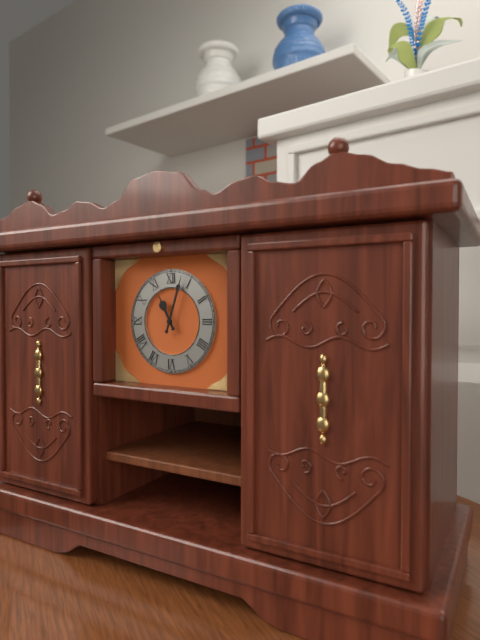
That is 11:03
